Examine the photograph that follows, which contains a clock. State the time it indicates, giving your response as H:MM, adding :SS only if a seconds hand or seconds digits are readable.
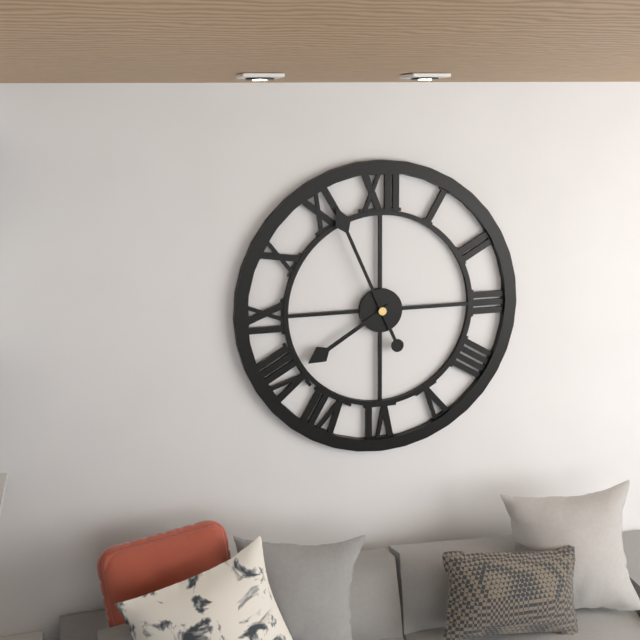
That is 7:56
